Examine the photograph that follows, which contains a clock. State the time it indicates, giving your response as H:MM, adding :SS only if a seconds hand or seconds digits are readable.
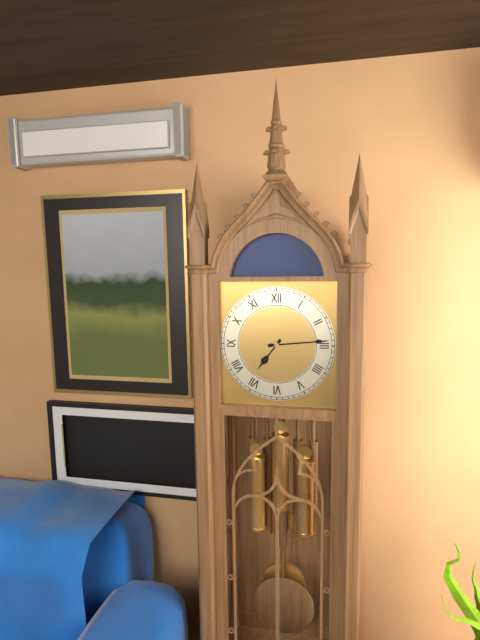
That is 7:14
